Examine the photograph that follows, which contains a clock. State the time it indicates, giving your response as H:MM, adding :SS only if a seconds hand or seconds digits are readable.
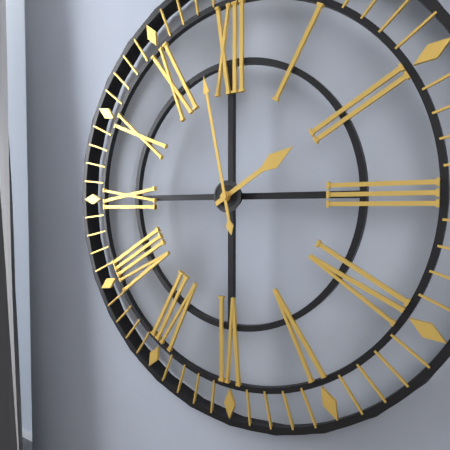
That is 1:58
